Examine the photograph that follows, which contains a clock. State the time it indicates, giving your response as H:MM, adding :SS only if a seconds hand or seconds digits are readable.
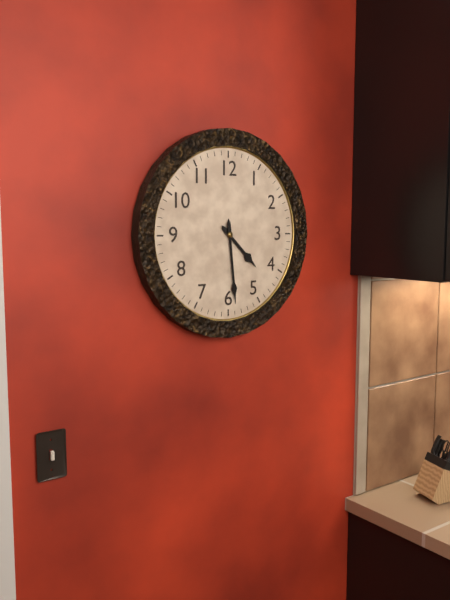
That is 4:29
